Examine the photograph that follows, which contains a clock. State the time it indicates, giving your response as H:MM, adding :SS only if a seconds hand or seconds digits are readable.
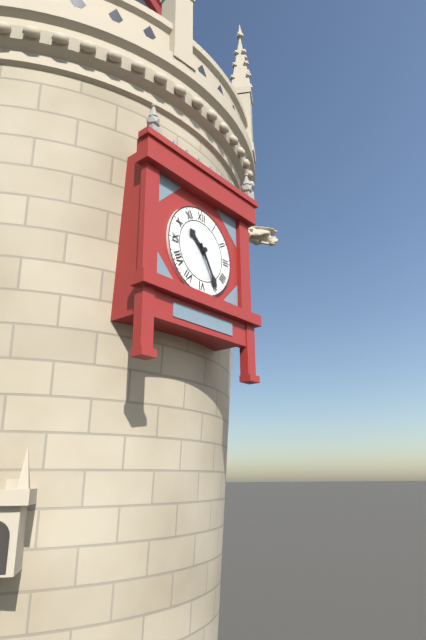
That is 10:25
